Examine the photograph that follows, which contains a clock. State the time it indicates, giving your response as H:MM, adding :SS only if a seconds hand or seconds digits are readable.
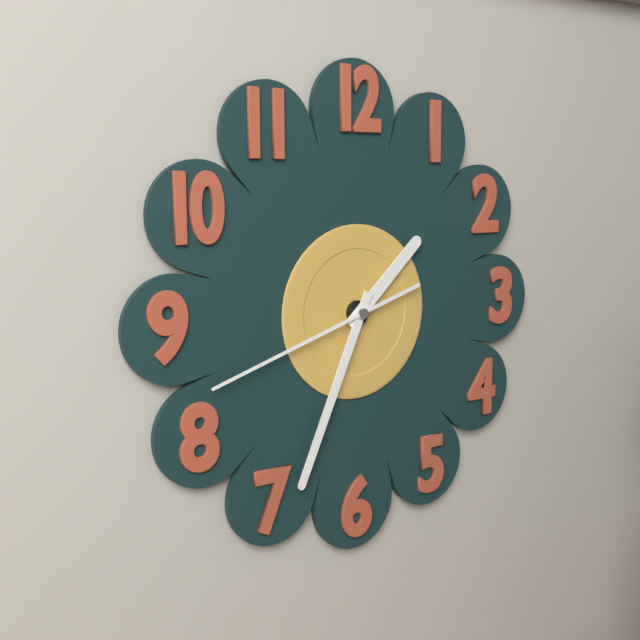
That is 1:34:42
